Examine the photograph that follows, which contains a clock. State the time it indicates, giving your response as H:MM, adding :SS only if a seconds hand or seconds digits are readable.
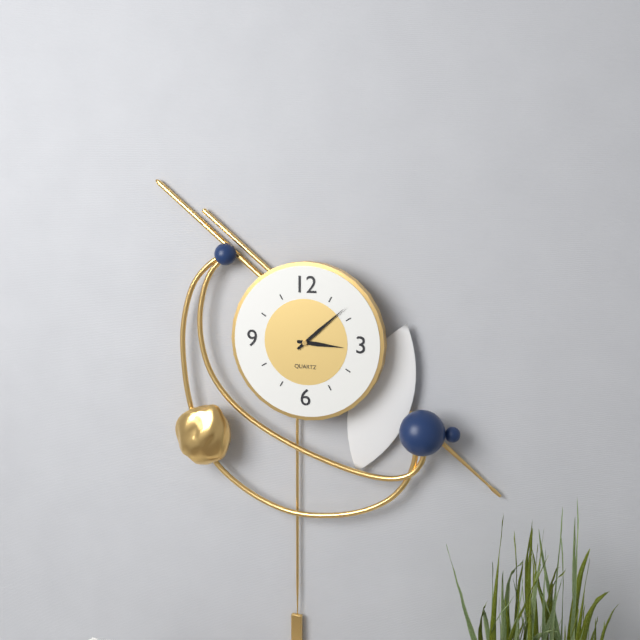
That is 3:08
